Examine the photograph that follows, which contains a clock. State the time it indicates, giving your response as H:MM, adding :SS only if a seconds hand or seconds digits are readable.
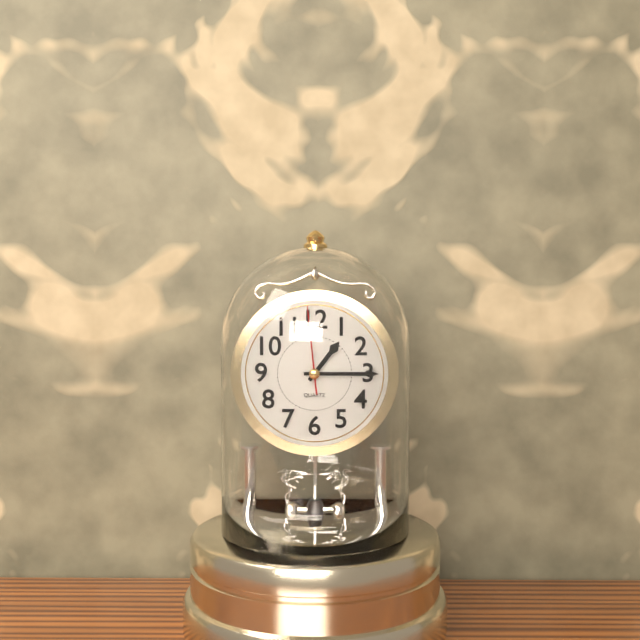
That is 1:15:59
